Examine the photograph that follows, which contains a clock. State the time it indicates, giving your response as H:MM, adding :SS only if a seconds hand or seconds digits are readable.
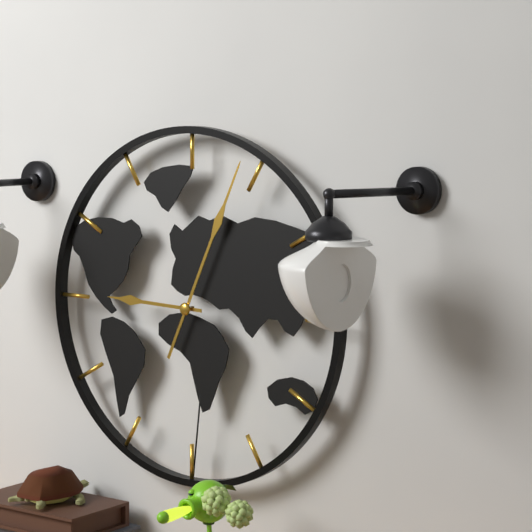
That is 9:04
